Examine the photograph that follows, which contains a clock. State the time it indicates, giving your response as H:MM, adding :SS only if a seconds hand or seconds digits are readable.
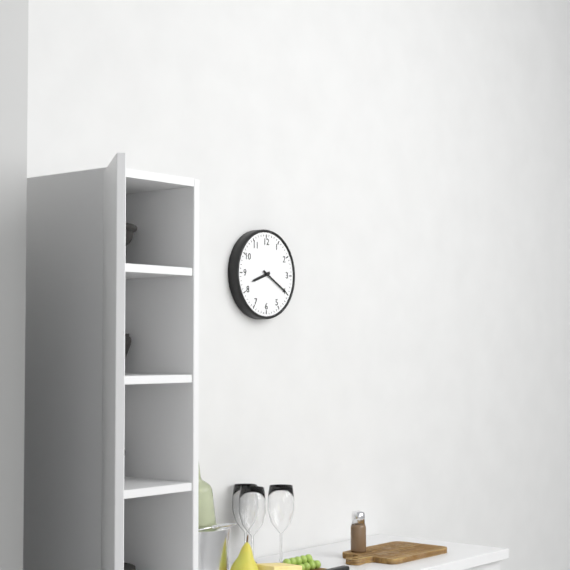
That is 8:20
